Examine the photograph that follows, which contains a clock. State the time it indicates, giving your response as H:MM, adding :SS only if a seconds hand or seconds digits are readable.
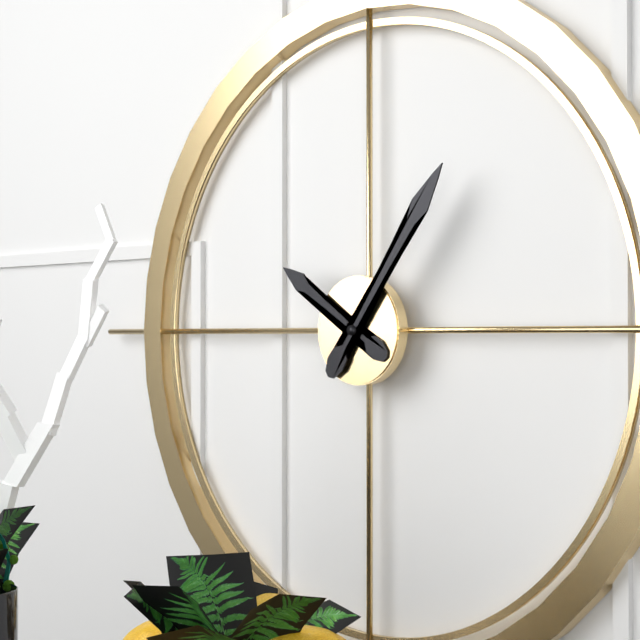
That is 10:06
